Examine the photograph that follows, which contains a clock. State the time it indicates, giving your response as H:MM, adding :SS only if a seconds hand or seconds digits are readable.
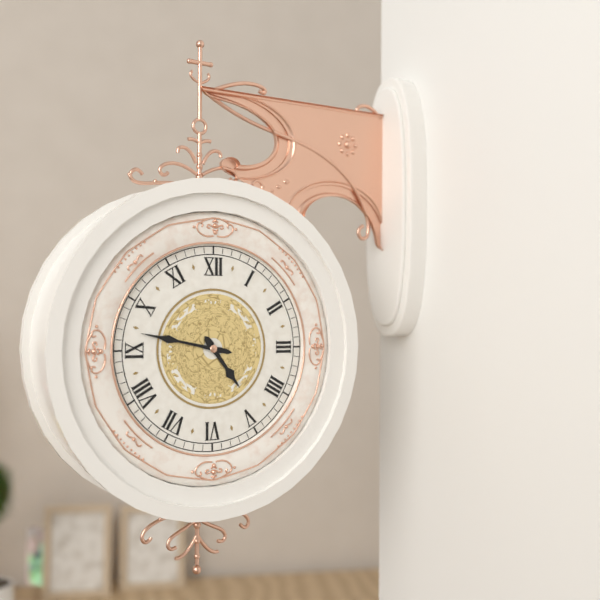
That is 4:47
